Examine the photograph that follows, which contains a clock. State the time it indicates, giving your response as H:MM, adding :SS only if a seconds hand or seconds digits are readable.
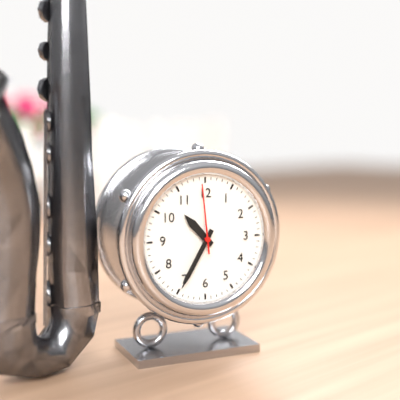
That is 10:35:59
